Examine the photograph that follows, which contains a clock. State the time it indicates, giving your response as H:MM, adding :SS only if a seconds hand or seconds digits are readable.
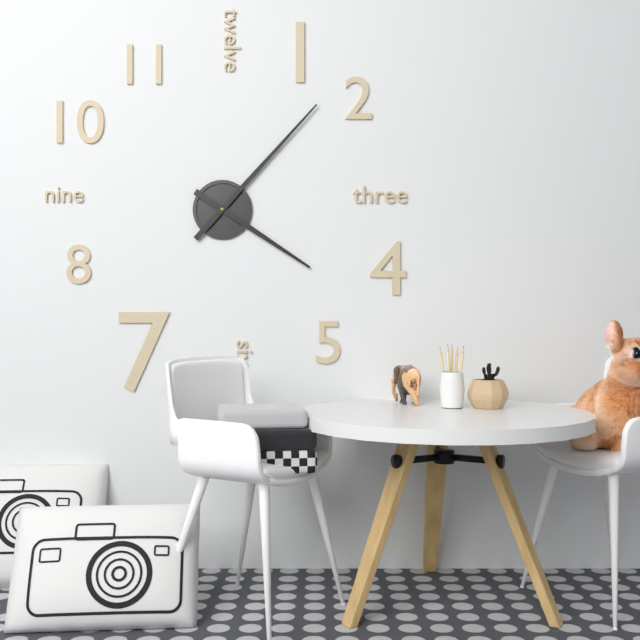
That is 4:07
